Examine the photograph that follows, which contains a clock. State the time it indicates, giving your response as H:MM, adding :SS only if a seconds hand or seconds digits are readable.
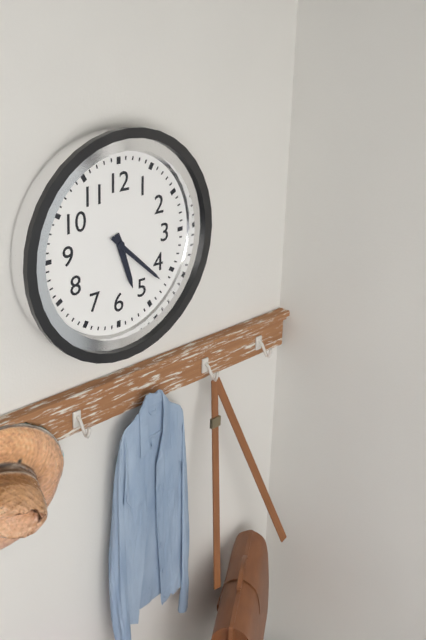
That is 5:22
